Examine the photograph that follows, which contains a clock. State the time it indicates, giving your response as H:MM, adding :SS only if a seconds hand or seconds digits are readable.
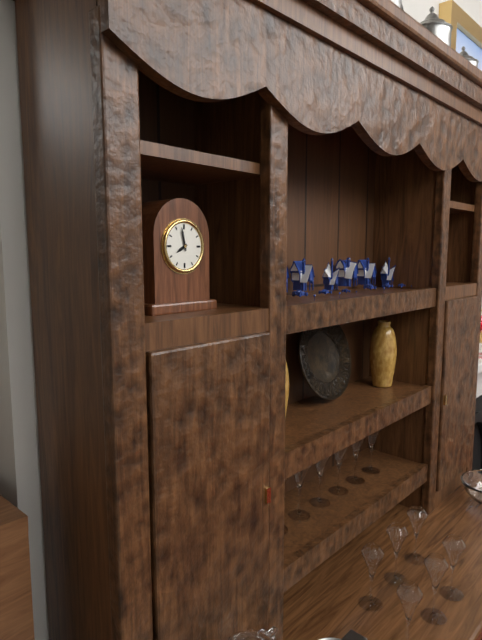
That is 7:58
